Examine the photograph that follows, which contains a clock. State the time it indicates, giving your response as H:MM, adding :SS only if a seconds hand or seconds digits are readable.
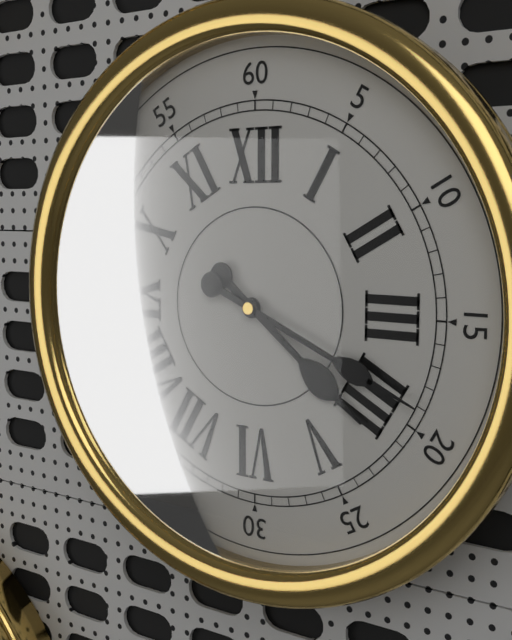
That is 4:19
